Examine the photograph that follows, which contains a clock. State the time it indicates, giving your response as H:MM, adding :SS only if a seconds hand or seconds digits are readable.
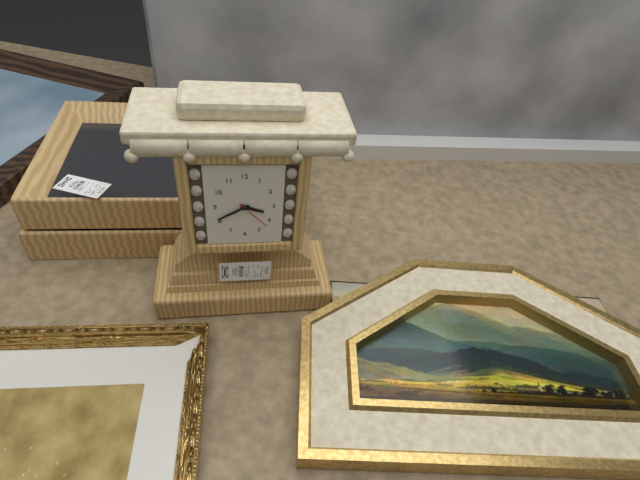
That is 3:40
